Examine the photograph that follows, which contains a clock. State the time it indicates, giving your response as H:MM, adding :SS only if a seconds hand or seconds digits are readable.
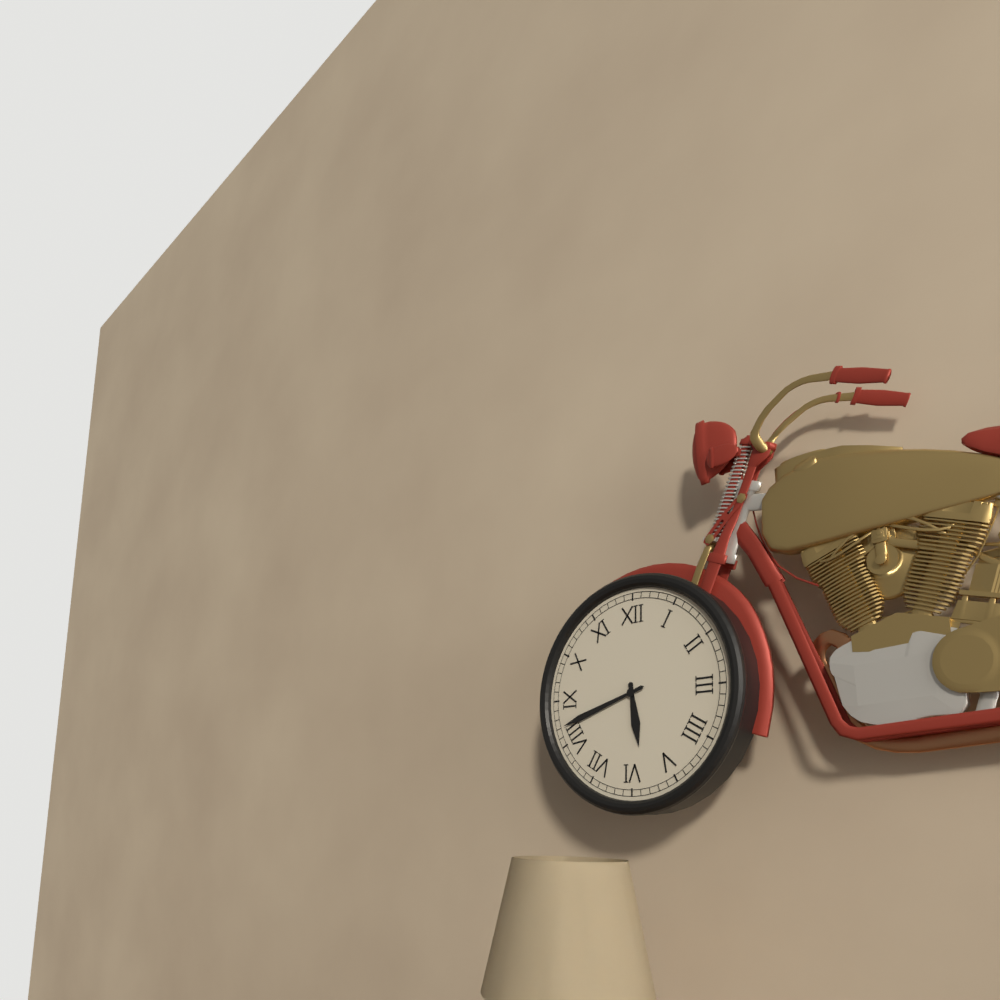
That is 5:42
